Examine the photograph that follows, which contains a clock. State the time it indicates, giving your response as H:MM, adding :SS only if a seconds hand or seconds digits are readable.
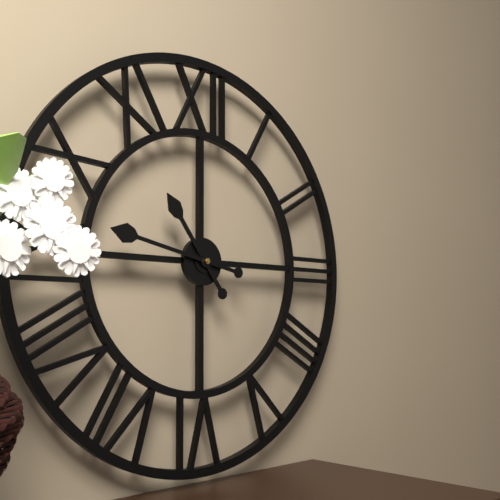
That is 10:47
